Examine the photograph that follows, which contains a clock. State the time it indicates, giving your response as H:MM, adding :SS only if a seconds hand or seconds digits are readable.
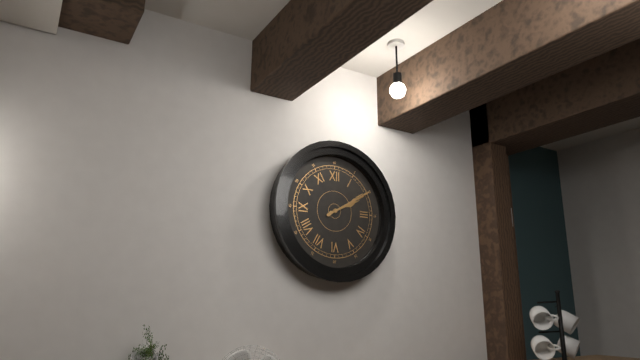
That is 2:10
